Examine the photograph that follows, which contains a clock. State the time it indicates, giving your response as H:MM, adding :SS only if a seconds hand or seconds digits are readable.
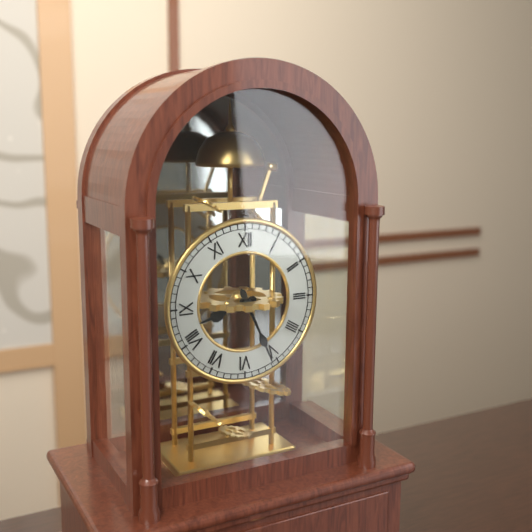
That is 8:26
